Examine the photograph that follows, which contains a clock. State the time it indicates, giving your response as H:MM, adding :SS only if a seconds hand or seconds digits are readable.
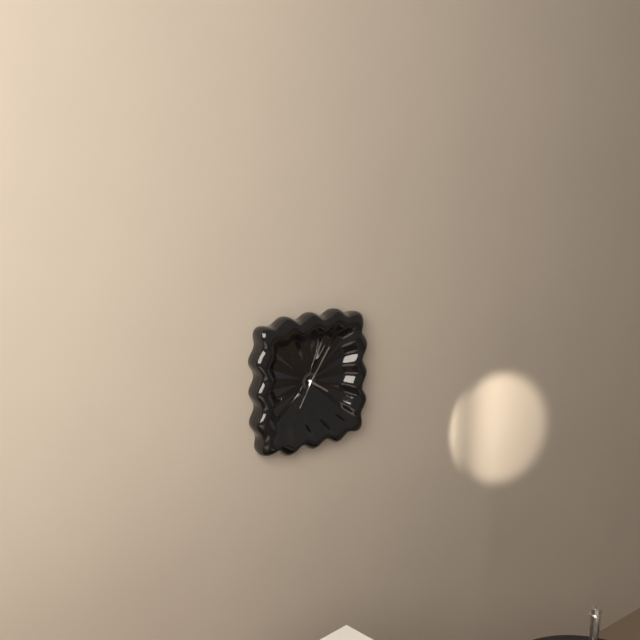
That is 4:06
